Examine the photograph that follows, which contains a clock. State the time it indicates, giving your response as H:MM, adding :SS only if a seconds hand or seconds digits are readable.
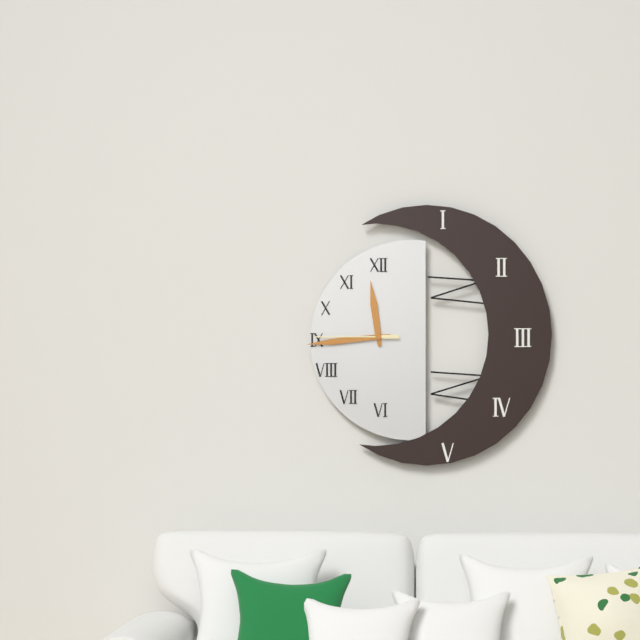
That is 11:44:45
